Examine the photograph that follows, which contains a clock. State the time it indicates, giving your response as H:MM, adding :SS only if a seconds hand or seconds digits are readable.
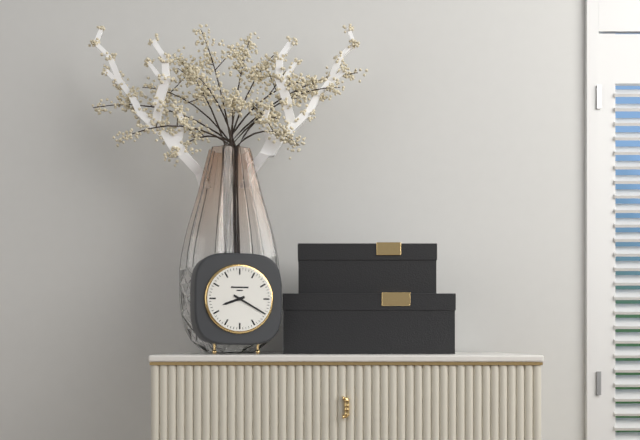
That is 8:20
